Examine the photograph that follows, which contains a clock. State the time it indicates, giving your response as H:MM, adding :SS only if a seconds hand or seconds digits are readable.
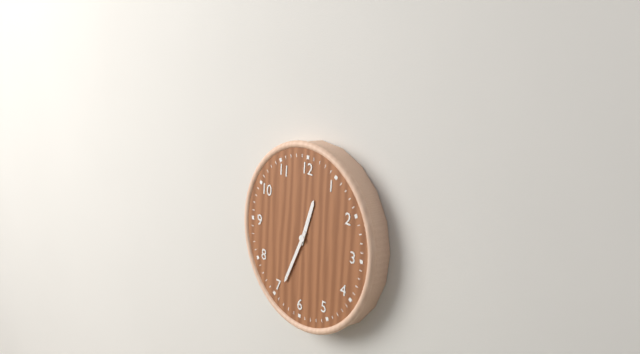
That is 12:34
